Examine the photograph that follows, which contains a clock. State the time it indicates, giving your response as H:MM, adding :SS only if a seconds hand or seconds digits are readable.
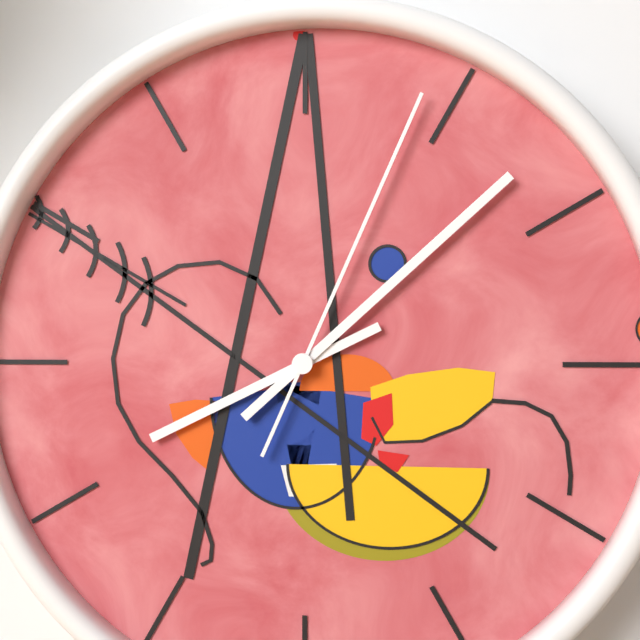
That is 8:08:04
